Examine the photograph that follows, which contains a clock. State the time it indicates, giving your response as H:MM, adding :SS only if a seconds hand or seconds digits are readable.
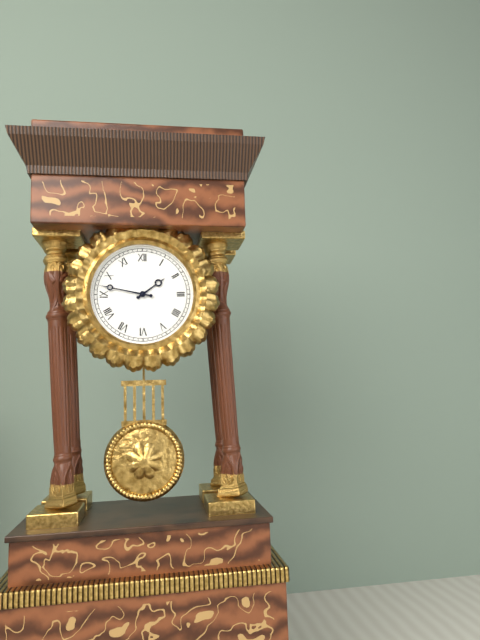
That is 1:47
